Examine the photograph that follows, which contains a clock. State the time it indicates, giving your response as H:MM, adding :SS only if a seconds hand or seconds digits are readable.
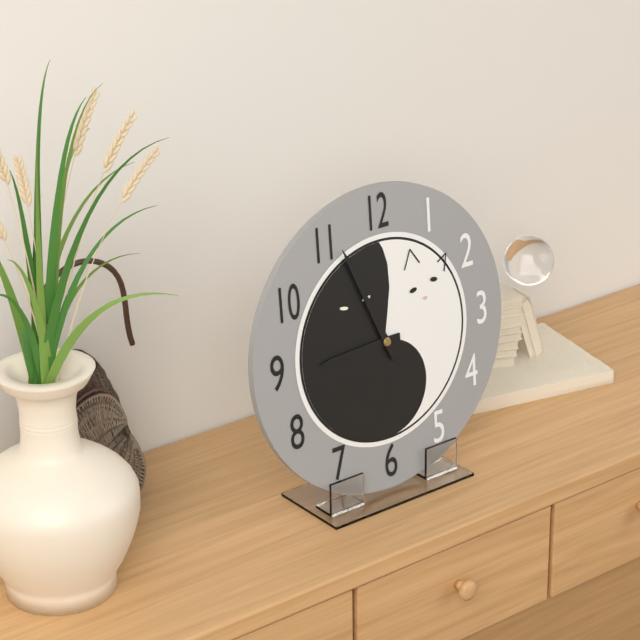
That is 8:56
